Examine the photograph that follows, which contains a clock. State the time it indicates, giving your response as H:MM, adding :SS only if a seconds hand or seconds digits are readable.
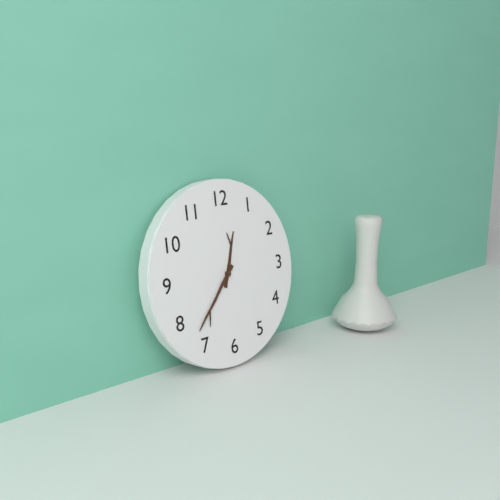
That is 12:37
